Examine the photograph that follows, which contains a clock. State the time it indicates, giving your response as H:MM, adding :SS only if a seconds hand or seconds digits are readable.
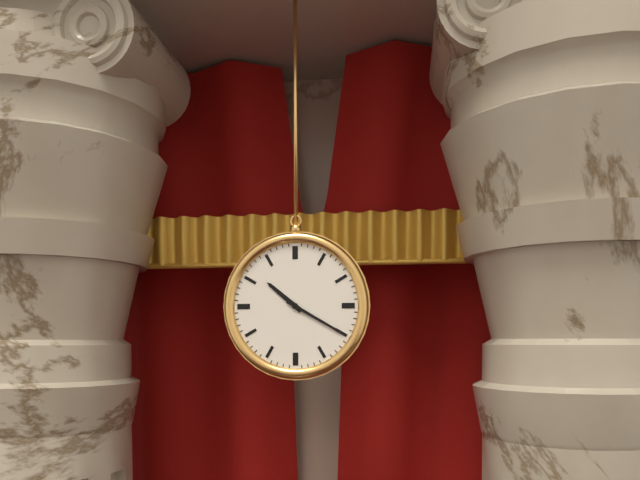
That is 10:20
